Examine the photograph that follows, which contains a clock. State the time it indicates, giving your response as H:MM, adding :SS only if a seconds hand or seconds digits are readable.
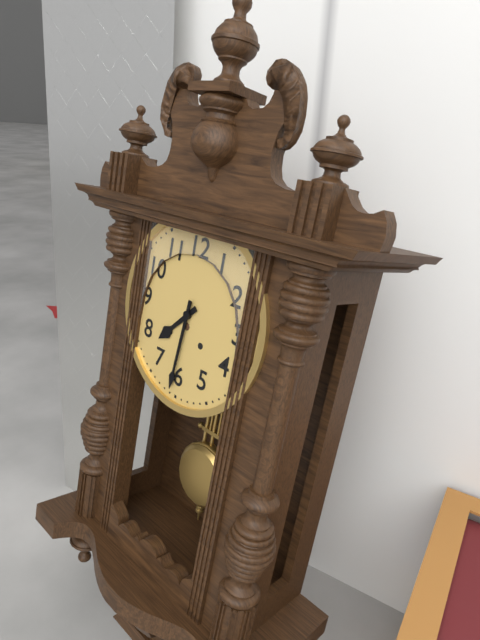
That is 7:31
